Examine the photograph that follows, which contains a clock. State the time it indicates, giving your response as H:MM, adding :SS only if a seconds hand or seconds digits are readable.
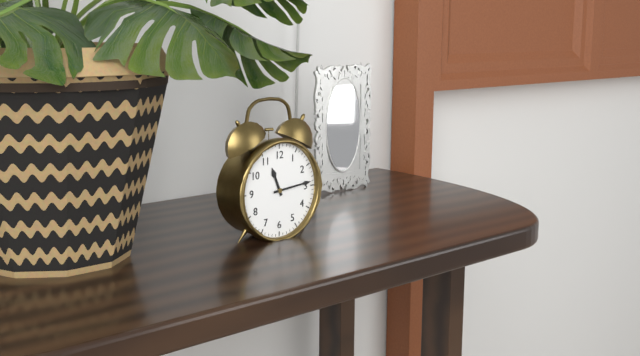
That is 11:14
